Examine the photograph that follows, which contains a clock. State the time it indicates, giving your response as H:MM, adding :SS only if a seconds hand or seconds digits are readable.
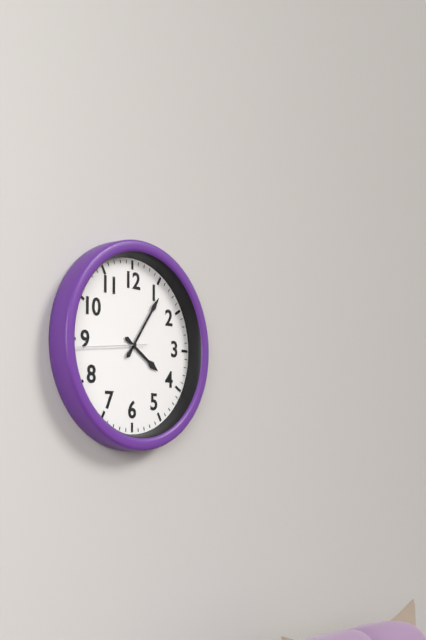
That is 4:06:44
